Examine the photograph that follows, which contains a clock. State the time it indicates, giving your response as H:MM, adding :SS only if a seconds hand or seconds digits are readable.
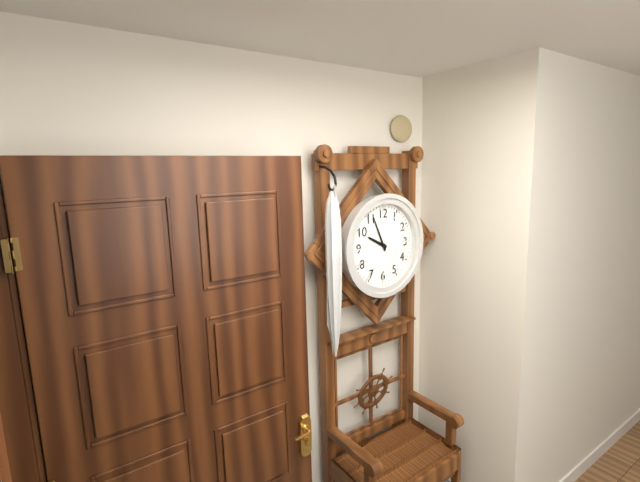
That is 9:56
